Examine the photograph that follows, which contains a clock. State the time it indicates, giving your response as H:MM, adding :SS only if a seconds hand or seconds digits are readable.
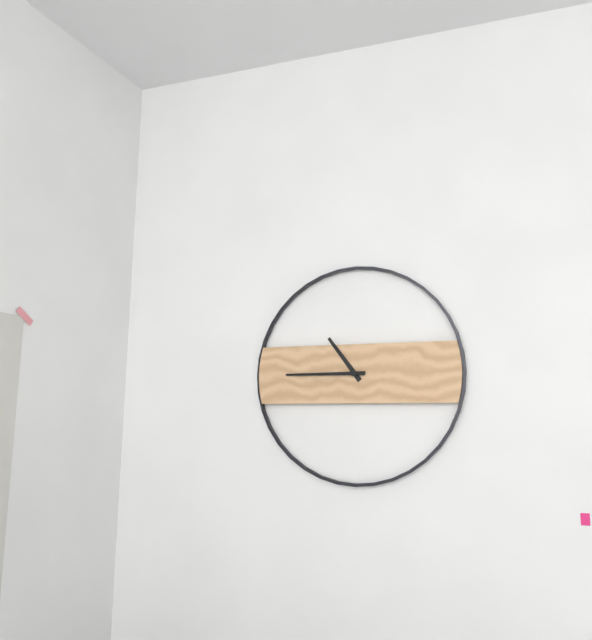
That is 10:45
